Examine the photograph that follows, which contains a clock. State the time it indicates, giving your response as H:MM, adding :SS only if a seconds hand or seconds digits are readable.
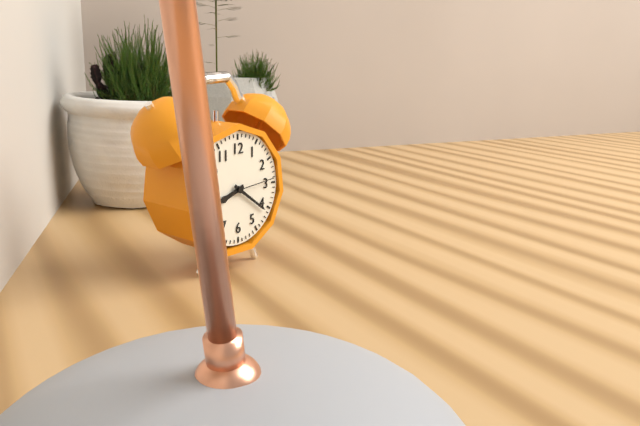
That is 8:21
